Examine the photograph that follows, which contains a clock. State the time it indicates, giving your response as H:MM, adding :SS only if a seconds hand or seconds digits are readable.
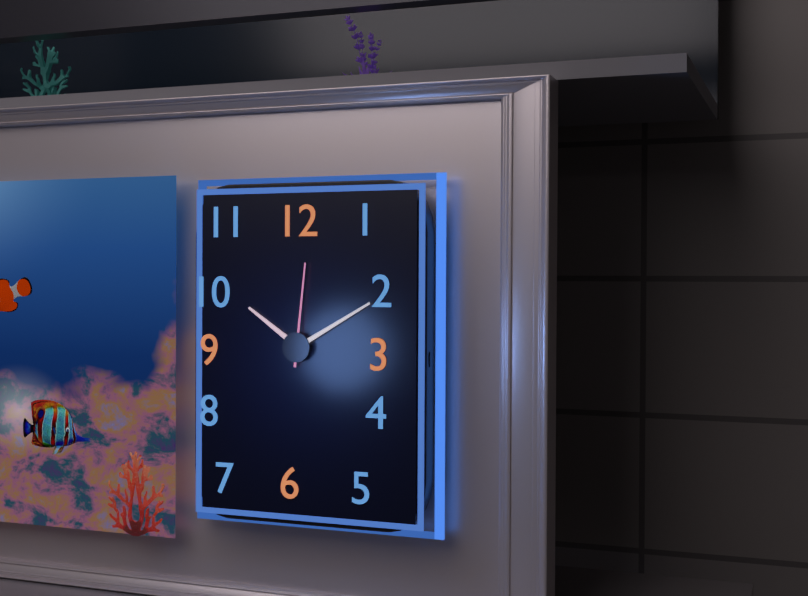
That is 10:10:01
